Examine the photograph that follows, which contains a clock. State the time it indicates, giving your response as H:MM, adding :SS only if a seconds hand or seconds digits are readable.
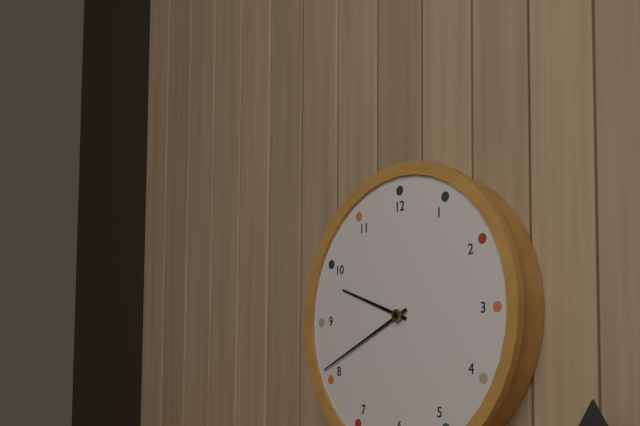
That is 9:41
